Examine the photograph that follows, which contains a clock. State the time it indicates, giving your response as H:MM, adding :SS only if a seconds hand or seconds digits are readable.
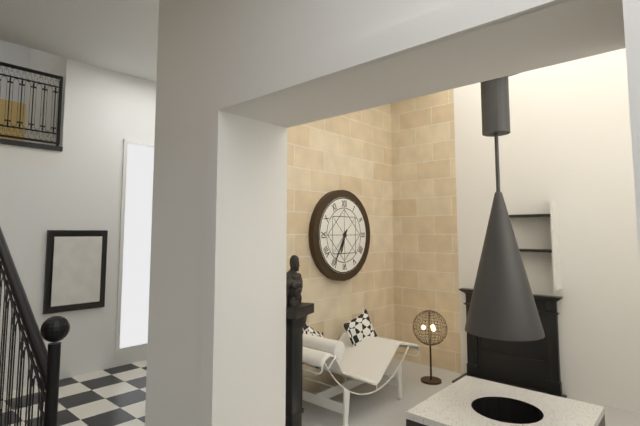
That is 6:35
